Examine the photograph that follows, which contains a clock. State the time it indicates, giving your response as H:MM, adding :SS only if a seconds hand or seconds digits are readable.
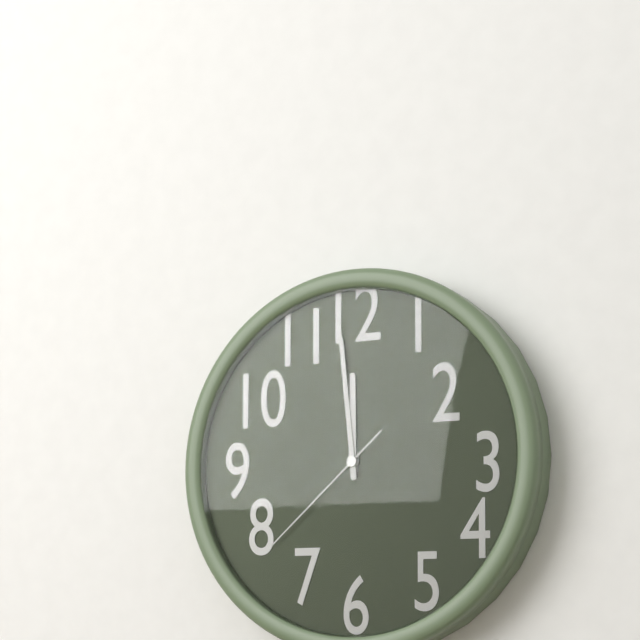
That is 11:59:38
